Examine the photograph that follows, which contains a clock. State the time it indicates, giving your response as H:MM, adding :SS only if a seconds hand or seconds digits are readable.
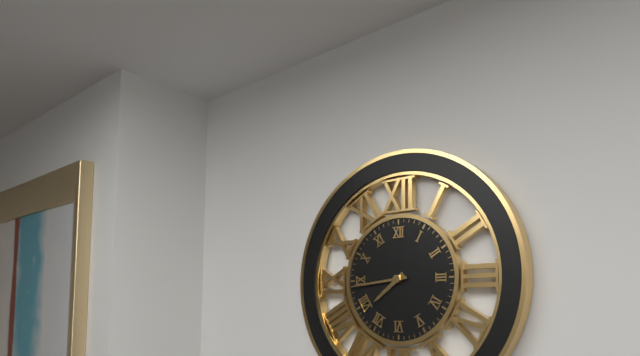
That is 7:44
